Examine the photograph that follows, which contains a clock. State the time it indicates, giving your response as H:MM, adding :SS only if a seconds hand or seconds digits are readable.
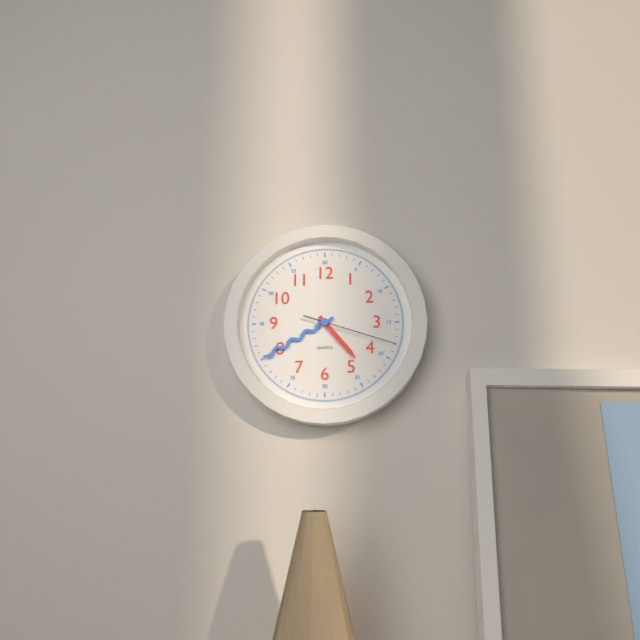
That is 4:40:18
